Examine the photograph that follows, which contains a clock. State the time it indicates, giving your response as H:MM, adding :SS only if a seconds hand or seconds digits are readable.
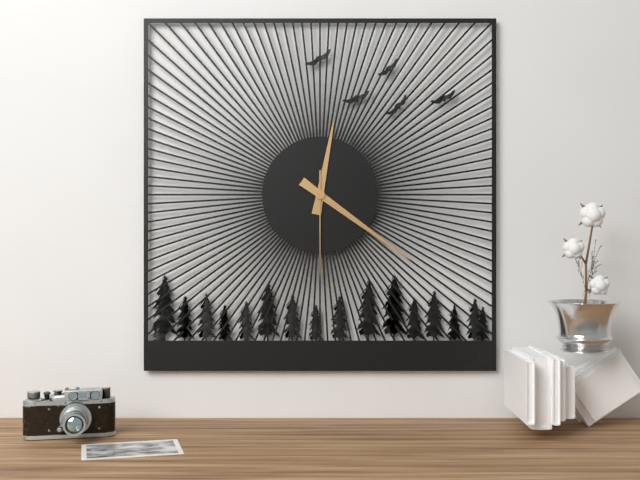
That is 12:21:30
